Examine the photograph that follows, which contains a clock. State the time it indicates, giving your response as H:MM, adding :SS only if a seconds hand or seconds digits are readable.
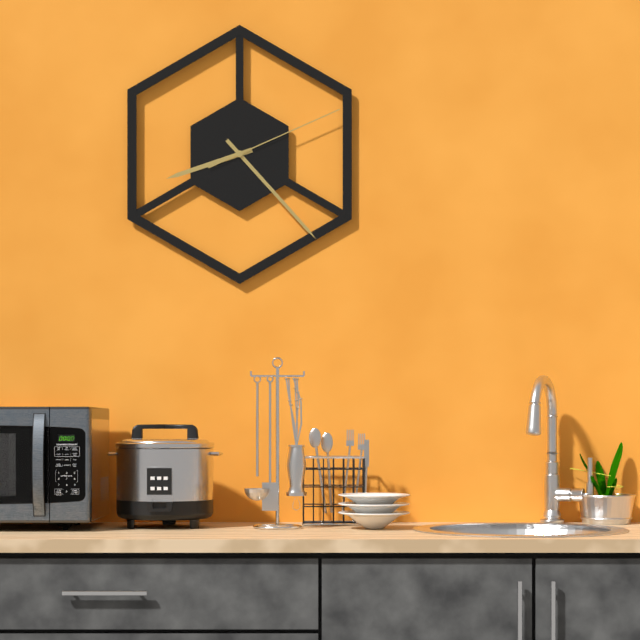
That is 8:23:11
